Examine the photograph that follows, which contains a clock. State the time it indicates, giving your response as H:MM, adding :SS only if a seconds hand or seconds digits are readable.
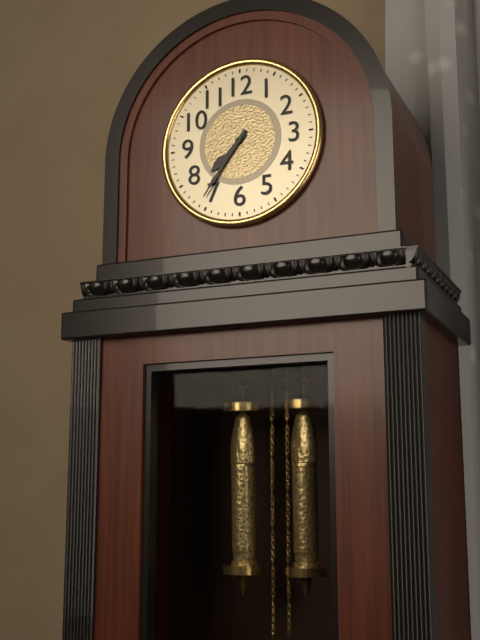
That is 7:36
